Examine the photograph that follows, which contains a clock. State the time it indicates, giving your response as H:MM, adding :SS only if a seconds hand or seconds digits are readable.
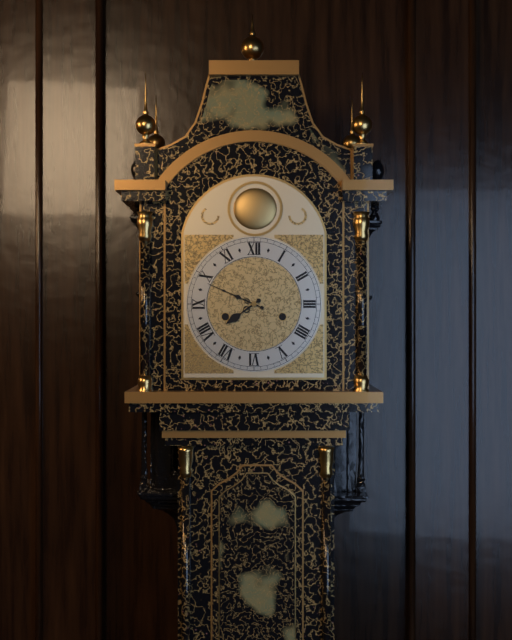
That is 7:49
